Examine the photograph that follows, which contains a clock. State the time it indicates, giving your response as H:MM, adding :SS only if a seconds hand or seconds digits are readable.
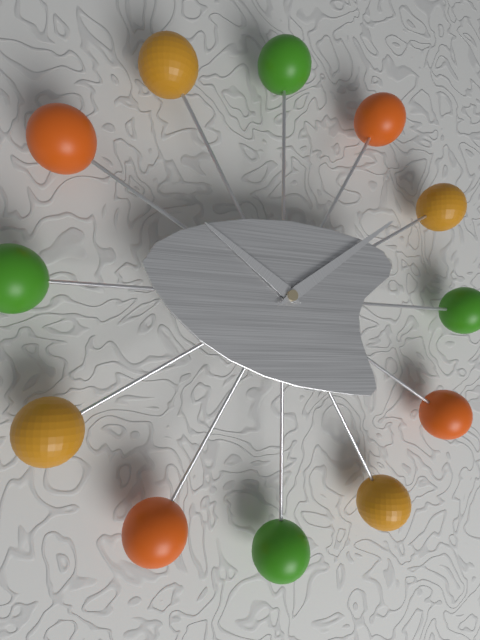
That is 10:09
